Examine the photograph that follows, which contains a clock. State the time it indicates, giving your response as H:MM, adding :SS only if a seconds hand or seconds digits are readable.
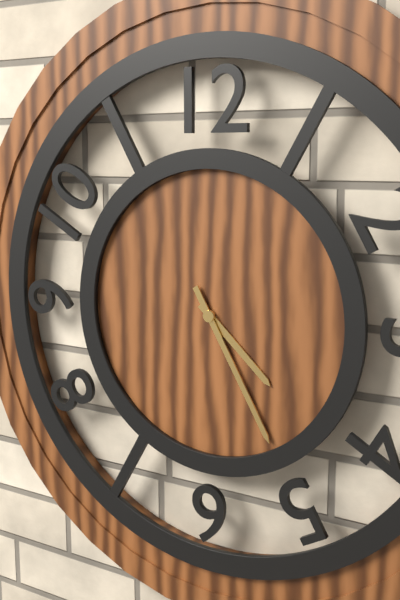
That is 4:25
